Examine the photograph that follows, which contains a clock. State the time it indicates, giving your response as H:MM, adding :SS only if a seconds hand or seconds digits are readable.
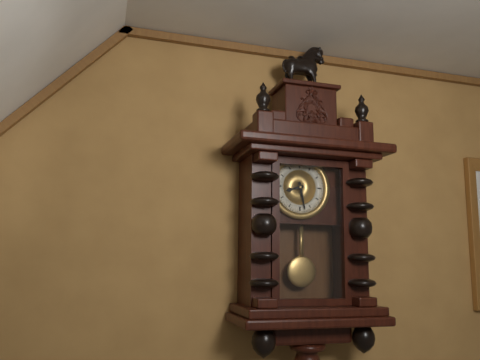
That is 8:28
